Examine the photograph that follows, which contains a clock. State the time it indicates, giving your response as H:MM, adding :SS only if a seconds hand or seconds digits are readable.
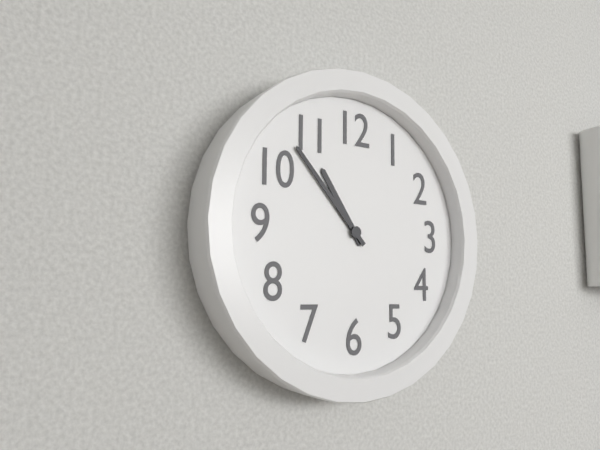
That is 10:53
